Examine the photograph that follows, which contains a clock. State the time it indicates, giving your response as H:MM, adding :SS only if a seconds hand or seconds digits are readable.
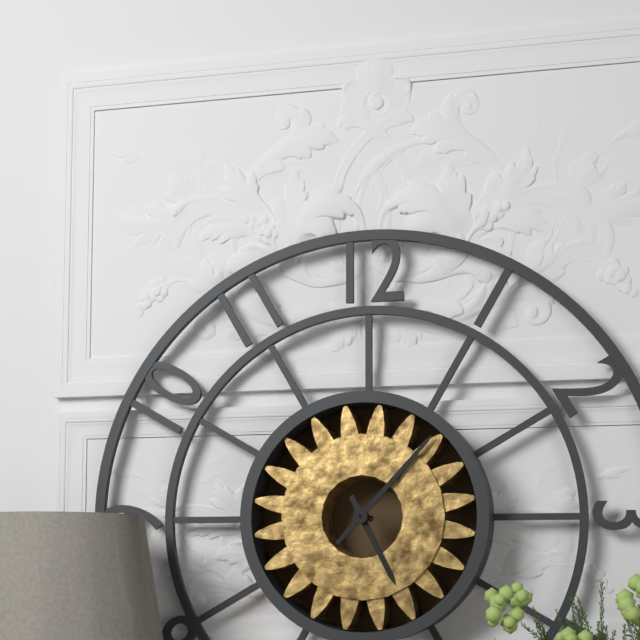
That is 5:07
